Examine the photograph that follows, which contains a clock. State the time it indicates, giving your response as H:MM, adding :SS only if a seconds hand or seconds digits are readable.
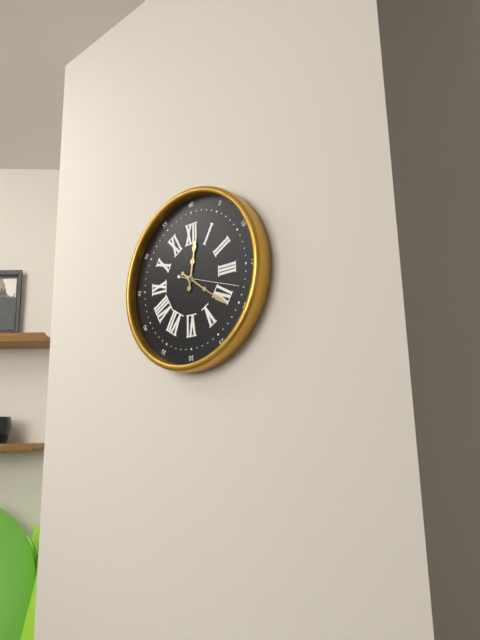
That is 12:21
